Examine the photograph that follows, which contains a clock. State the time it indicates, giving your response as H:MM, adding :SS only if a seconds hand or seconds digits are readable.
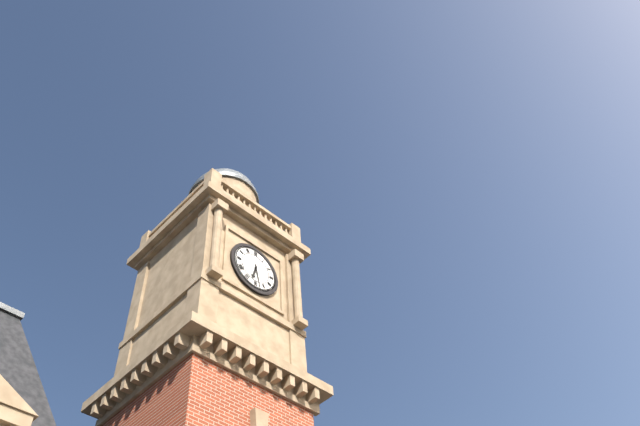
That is 6:28
